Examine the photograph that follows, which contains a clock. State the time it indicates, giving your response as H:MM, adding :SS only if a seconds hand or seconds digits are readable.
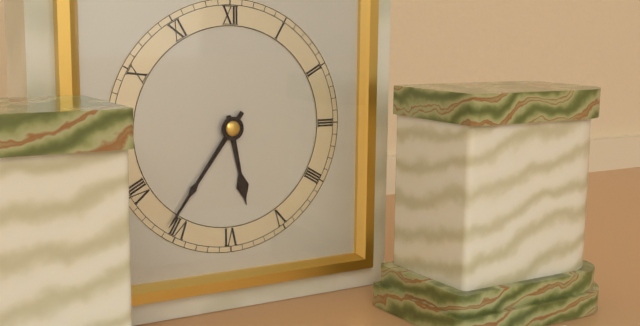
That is 5:36
